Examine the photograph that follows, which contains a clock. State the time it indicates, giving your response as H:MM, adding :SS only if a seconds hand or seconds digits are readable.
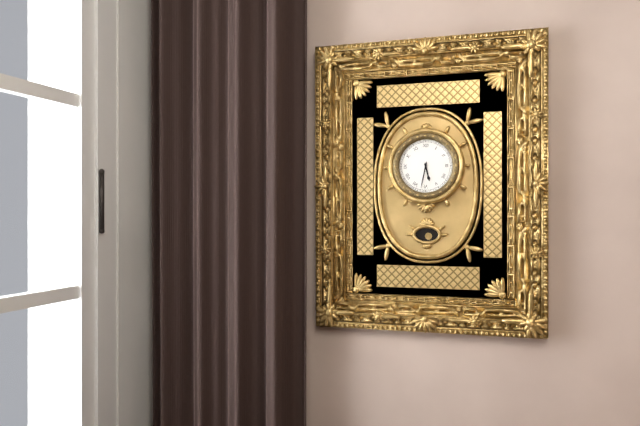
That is 5:32
